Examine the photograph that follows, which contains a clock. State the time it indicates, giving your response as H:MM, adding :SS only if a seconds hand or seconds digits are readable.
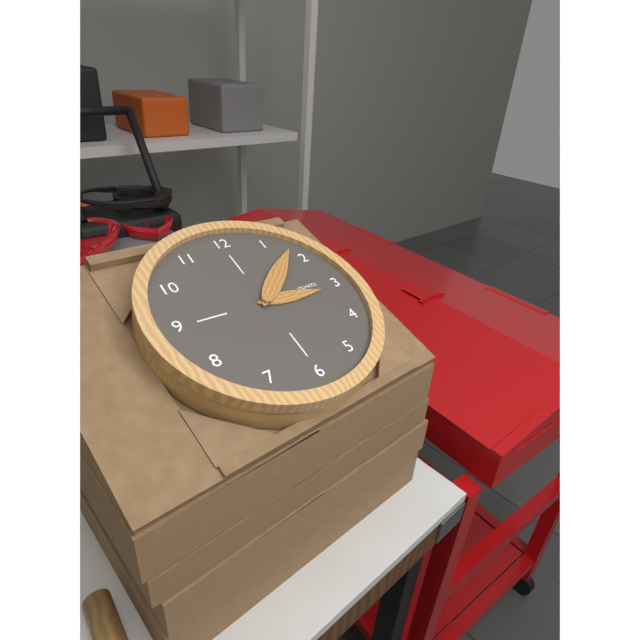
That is 3:08
